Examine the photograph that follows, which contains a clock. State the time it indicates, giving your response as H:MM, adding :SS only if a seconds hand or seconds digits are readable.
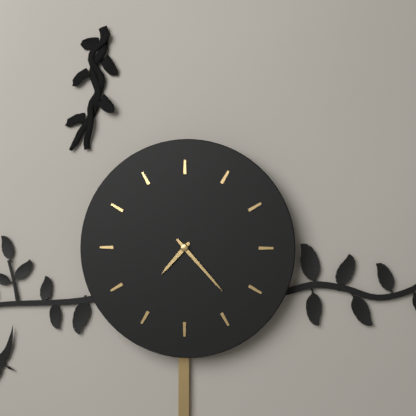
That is 7:23
